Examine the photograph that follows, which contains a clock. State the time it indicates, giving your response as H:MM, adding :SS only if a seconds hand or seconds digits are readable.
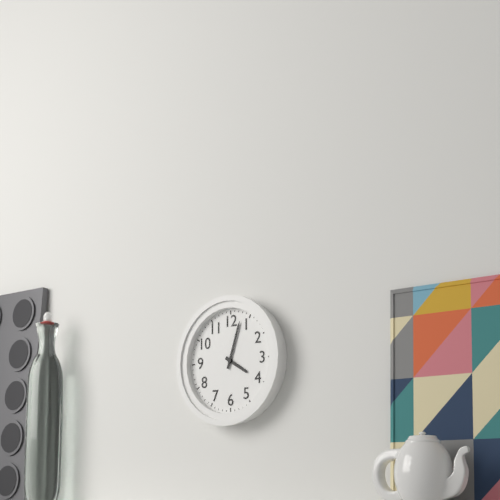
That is 4:03
